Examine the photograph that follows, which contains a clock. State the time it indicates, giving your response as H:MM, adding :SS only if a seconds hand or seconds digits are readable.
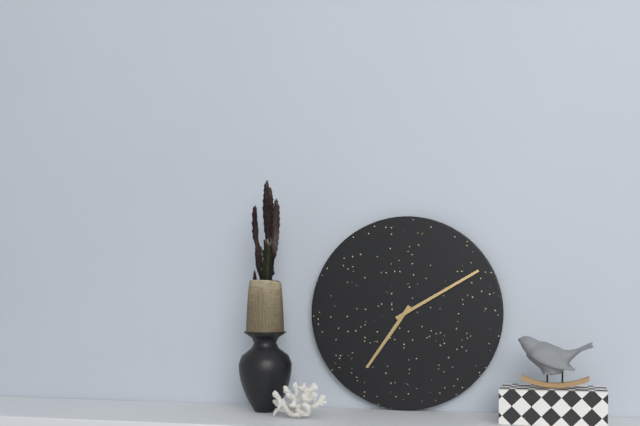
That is 7:10
